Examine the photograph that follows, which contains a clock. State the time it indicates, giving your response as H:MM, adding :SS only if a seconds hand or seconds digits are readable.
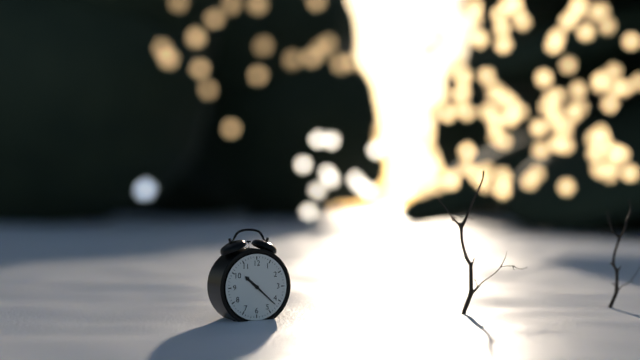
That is 10:22
